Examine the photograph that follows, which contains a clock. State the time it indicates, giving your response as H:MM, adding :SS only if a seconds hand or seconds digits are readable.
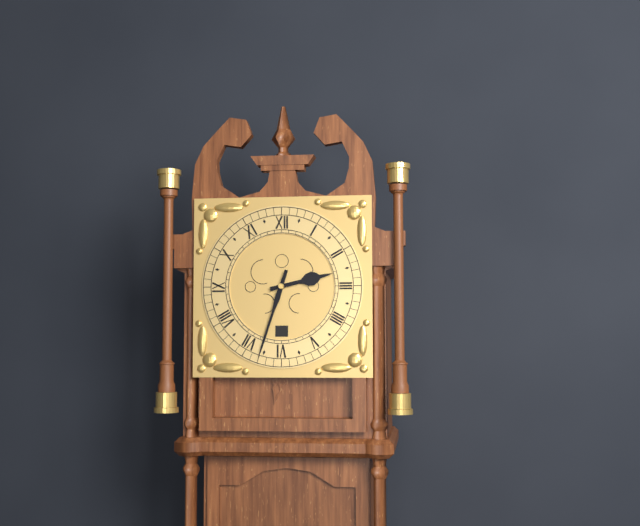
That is 2:33
